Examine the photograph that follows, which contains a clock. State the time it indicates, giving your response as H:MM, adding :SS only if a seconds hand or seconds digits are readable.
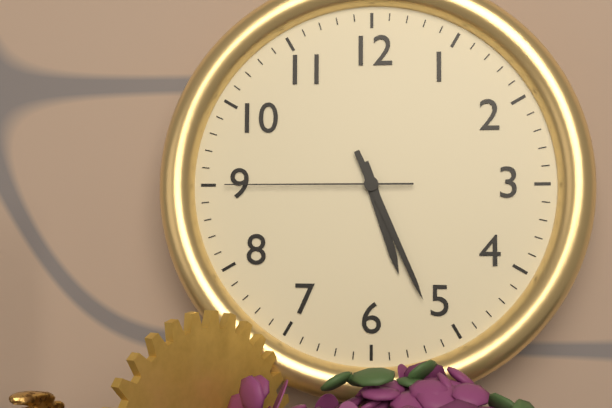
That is 5:26:45
